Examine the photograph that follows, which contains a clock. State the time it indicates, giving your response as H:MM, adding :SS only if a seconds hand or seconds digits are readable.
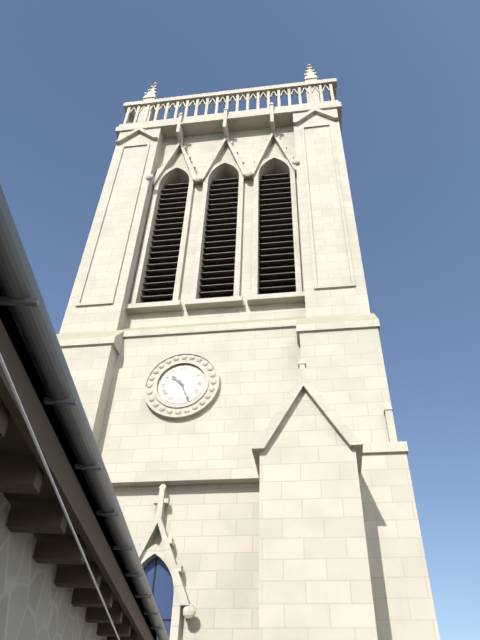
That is 10:26
